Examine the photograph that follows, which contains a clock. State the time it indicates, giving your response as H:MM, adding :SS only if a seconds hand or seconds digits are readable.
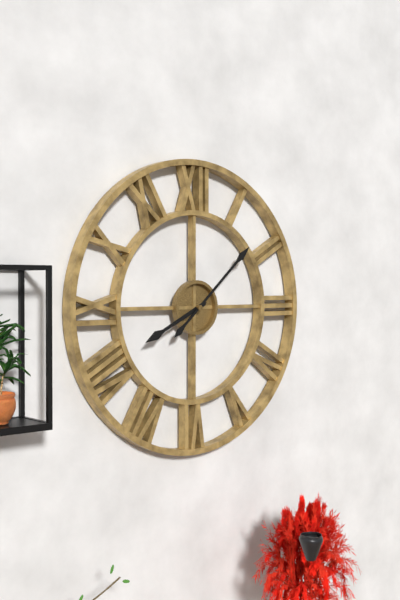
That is 8:08
